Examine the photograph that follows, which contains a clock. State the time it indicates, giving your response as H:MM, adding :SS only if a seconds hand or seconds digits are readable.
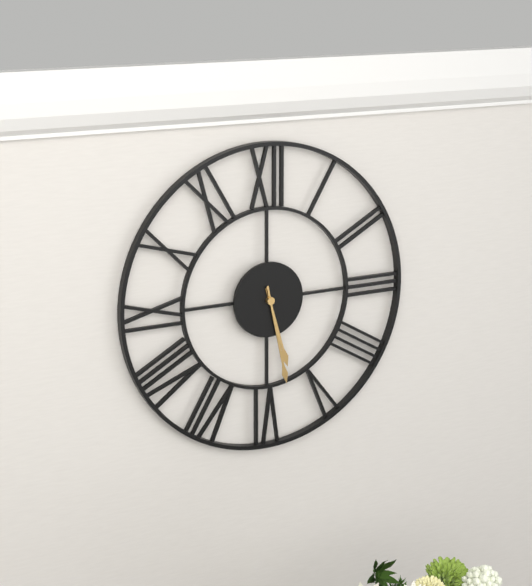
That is 5:28
